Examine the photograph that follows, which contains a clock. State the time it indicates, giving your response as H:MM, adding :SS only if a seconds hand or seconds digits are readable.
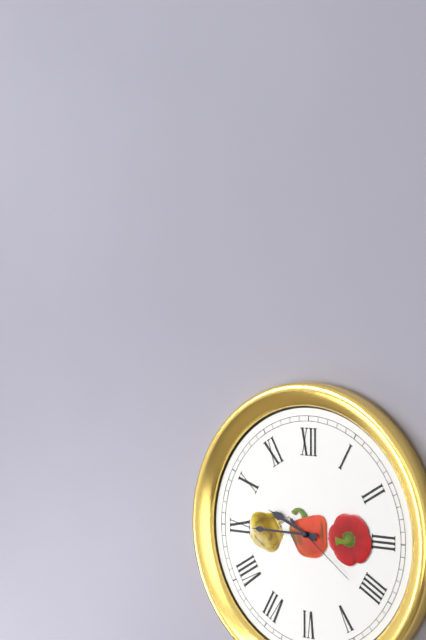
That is 9:45:21
